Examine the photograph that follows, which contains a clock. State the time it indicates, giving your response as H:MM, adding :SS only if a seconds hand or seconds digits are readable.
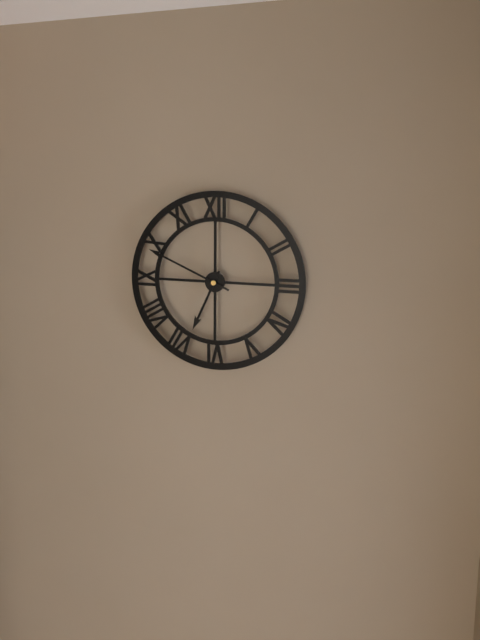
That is 6:49
